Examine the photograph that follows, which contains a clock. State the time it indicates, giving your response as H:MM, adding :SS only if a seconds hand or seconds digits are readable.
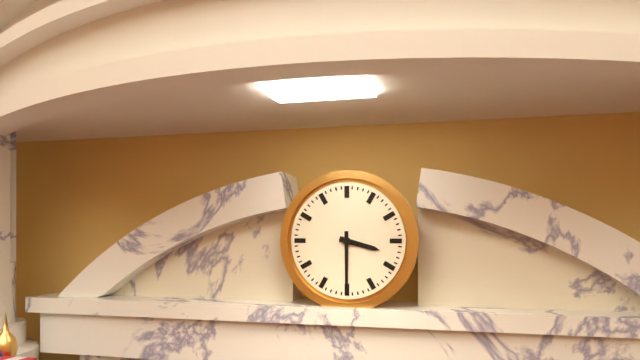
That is 3:30
